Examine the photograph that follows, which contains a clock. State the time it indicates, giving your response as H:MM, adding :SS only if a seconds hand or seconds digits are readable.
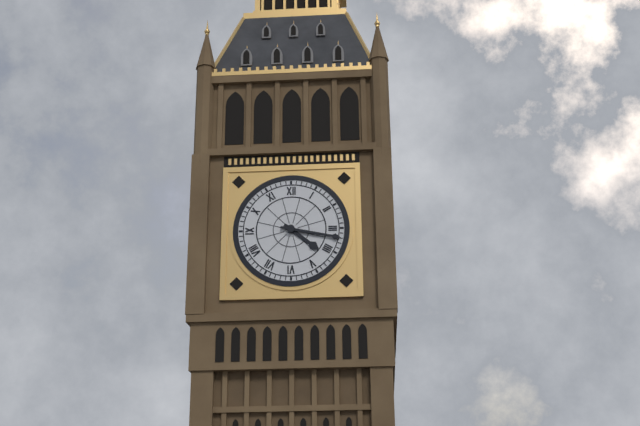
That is 4:17
